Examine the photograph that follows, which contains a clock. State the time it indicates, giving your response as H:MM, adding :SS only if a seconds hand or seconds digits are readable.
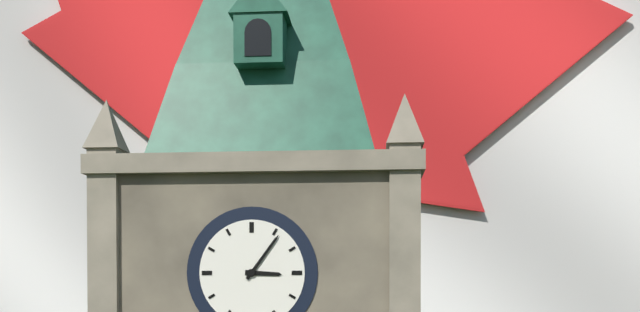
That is 3:06
